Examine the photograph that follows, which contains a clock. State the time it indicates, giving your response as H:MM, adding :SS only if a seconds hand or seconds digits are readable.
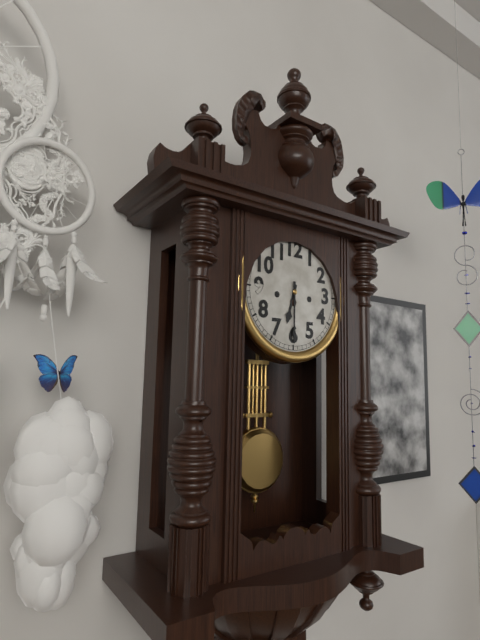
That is 6:30
